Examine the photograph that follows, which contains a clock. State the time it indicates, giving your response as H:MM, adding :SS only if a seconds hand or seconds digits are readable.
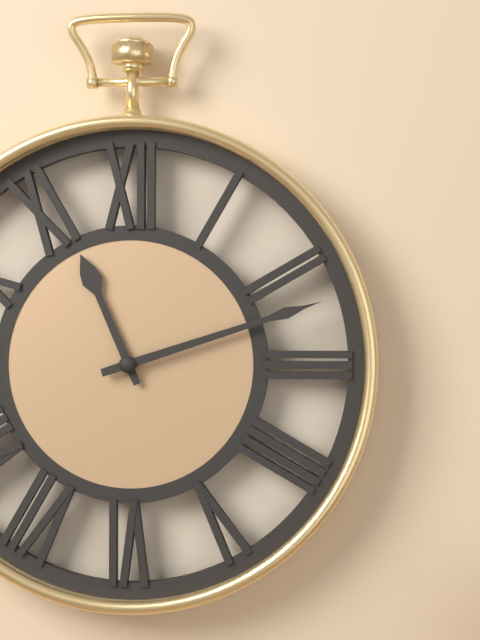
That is 11:12
